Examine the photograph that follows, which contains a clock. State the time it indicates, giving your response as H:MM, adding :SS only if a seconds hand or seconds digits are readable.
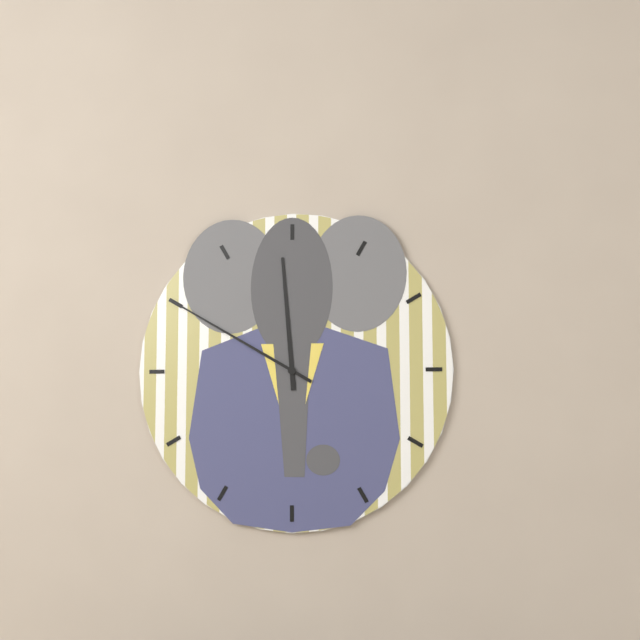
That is 11:50
